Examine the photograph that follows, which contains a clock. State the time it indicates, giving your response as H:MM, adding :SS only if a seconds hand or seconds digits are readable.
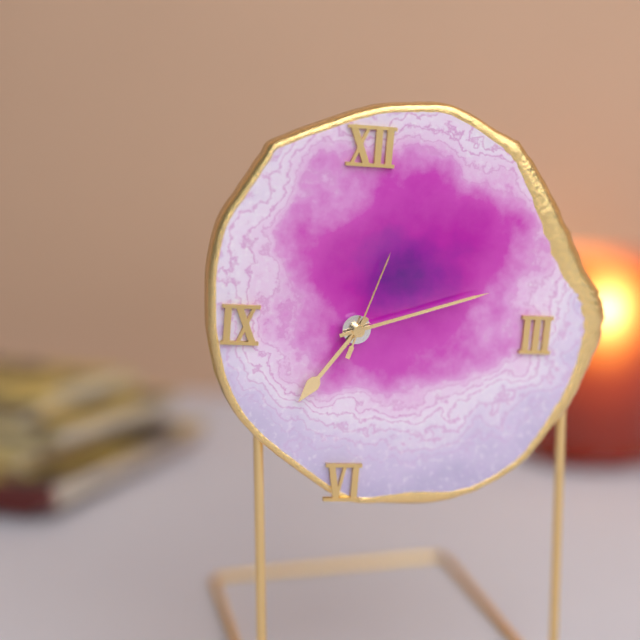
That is 7:12:03
